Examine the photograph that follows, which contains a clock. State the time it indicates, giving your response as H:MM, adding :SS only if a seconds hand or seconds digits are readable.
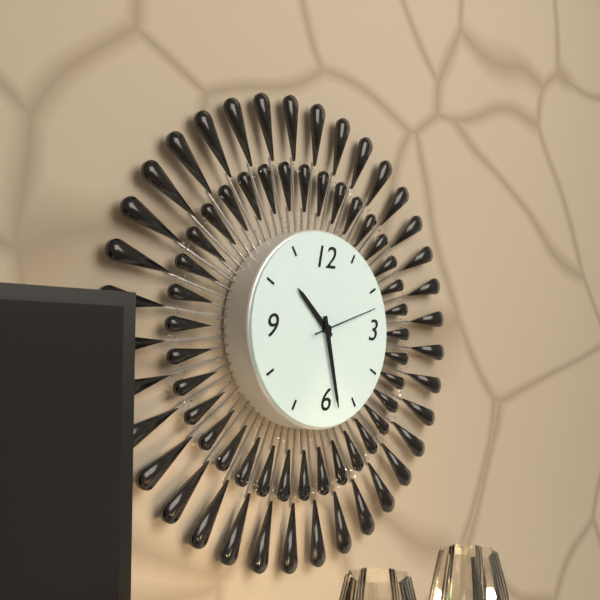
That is 10:28:12
